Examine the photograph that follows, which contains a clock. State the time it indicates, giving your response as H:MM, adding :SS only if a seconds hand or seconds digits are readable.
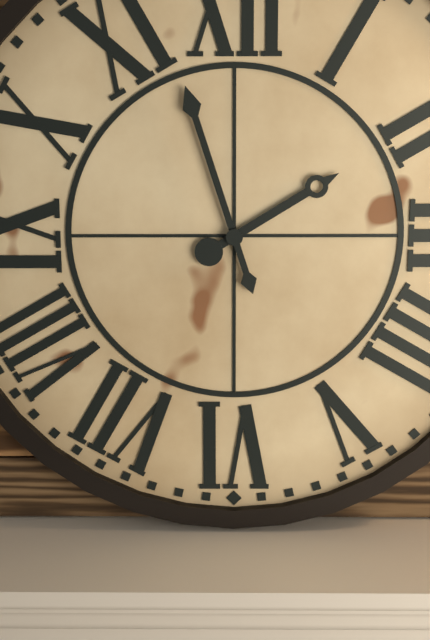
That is 1:57
